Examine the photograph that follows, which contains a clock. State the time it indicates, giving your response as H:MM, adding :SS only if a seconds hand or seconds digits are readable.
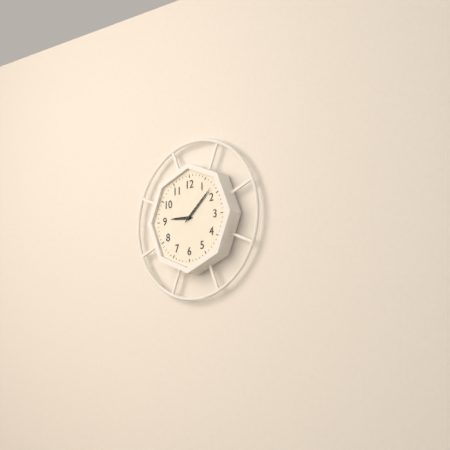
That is 9:08
